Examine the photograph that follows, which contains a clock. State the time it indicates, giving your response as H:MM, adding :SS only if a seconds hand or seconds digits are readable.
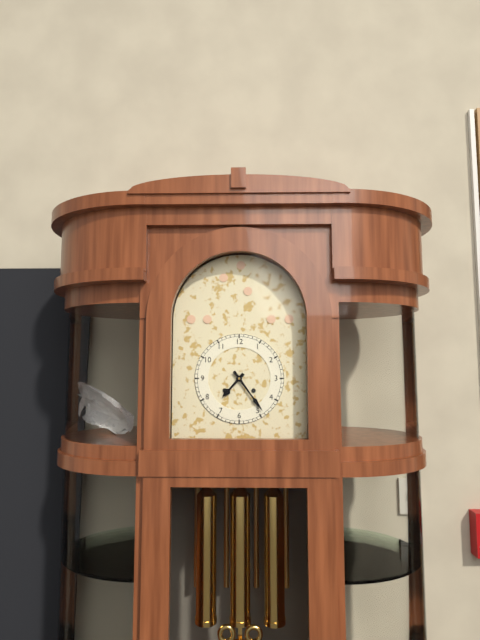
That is 7:24
